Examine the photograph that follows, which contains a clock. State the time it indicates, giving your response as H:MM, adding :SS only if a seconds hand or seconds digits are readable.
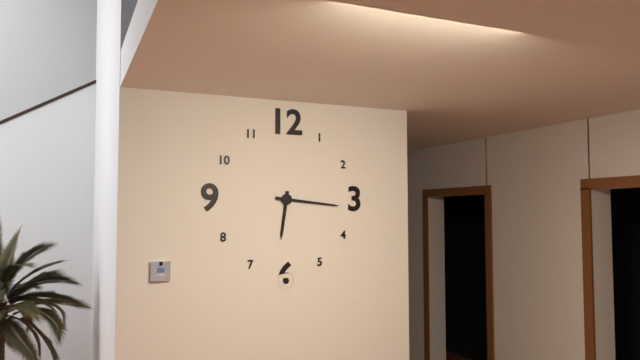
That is 6:16
